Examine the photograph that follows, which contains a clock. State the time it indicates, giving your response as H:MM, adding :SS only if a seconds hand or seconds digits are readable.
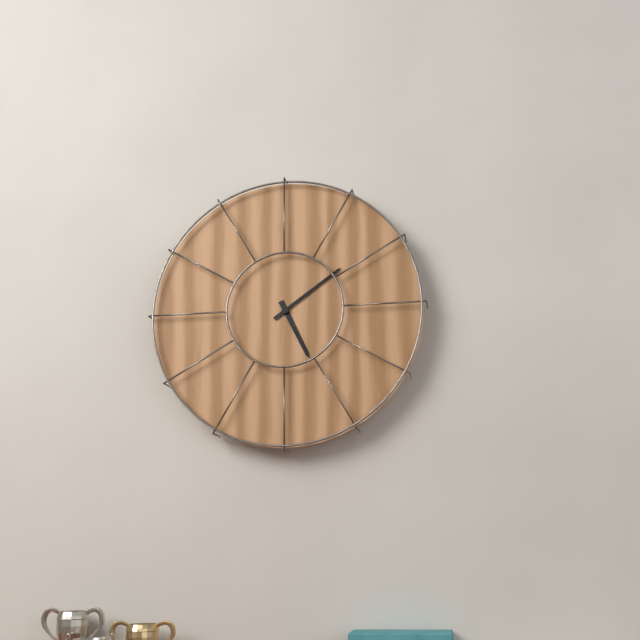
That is 5:09
